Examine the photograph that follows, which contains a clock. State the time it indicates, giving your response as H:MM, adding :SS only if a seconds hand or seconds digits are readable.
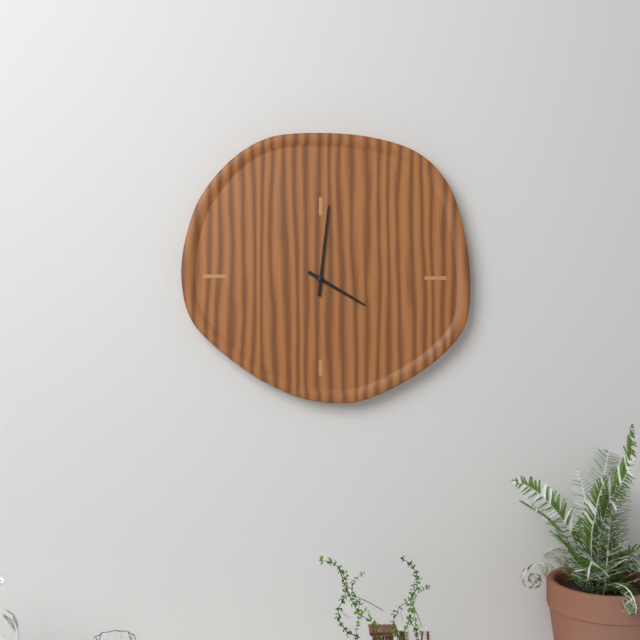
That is 4:01
